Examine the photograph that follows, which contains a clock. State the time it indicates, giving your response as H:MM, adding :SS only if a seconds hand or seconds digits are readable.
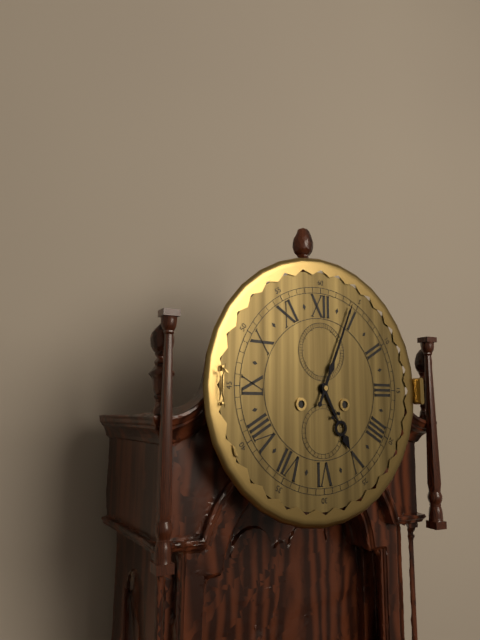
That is 5:04
